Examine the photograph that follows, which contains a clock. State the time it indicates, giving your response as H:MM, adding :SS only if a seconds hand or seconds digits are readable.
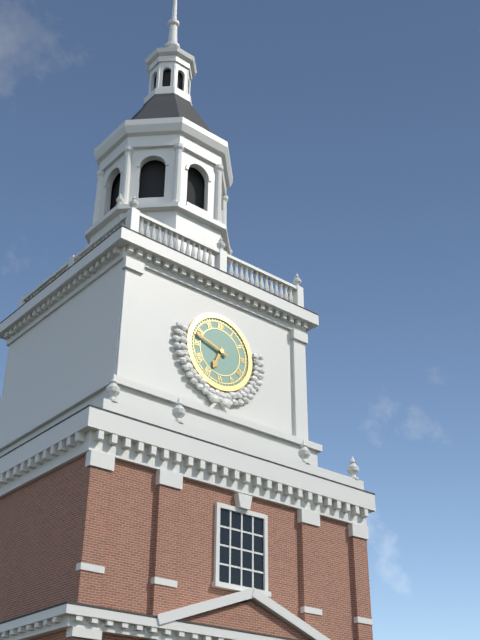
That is 6:48
